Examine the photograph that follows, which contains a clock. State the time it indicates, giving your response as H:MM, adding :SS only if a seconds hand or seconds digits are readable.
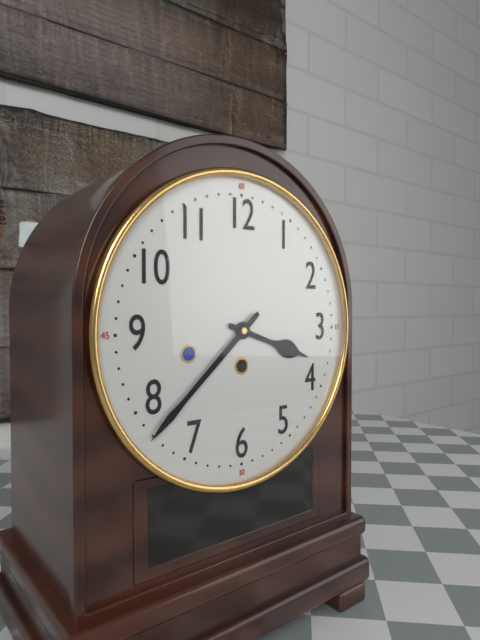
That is 3:38
